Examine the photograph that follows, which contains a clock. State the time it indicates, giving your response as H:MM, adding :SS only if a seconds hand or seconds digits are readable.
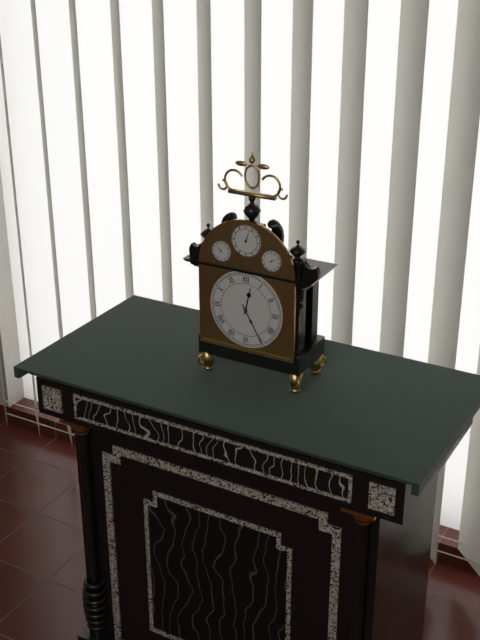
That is 12:25
